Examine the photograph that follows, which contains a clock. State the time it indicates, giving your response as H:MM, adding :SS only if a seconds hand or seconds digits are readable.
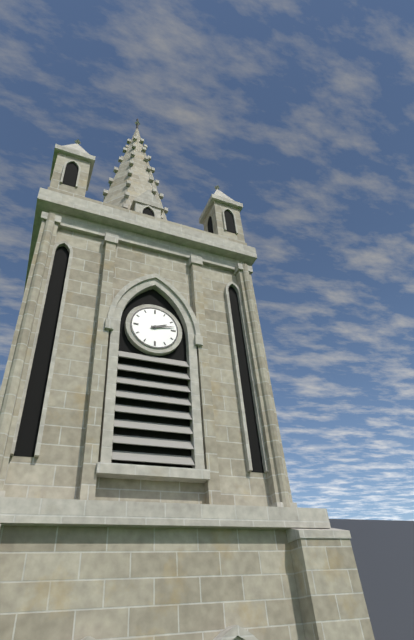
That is 2:13
